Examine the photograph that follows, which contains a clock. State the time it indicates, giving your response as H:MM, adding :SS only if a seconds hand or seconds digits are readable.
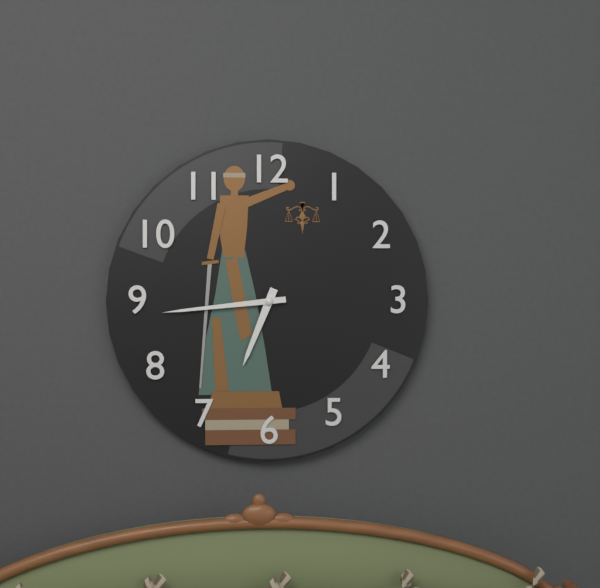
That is 6:44
